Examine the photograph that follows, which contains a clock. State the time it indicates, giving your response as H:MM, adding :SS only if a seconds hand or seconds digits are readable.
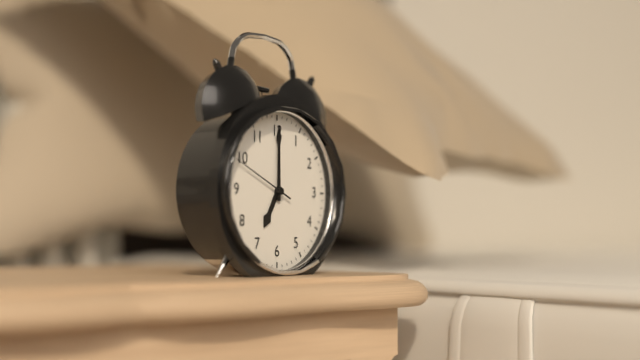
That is 7:00:49
